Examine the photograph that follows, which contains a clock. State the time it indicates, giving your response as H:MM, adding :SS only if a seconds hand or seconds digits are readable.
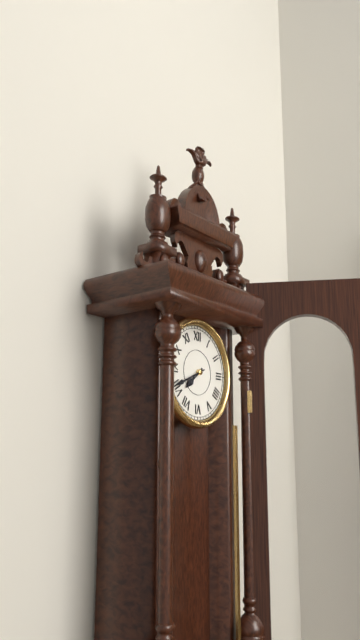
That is 7:41
